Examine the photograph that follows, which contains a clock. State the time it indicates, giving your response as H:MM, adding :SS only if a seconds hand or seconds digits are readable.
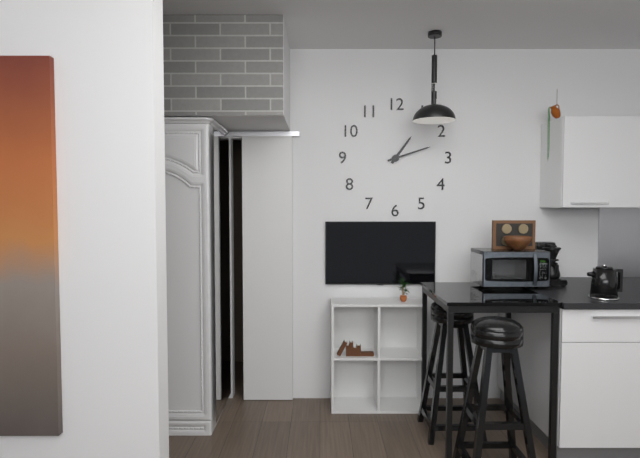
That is 1:12
